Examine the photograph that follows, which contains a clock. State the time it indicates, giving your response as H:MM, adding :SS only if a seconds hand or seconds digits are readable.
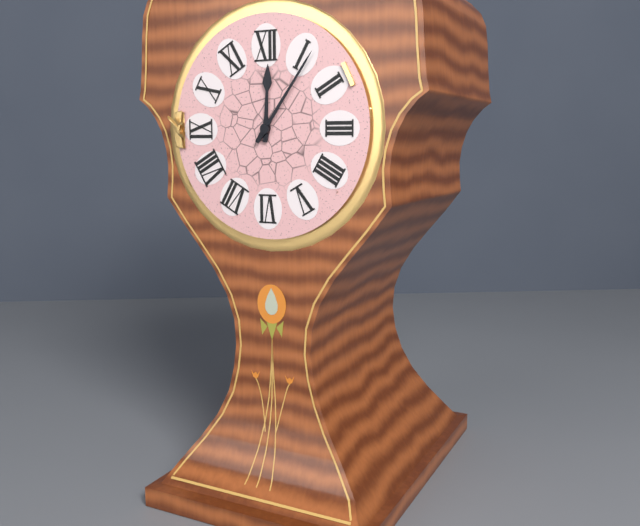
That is 12:06
